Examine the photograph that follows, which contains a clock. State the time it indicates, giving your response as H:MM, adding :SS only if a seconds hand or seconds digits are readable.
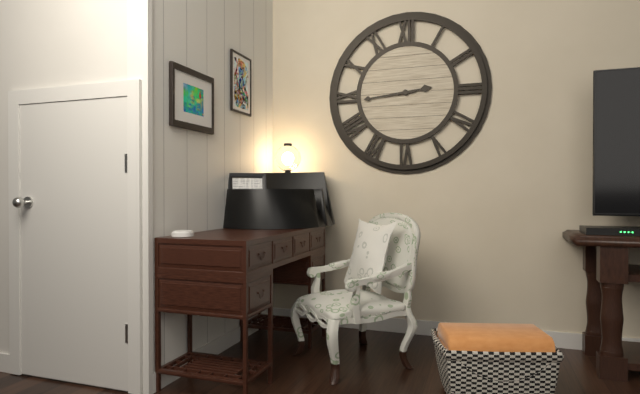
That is 2:44
